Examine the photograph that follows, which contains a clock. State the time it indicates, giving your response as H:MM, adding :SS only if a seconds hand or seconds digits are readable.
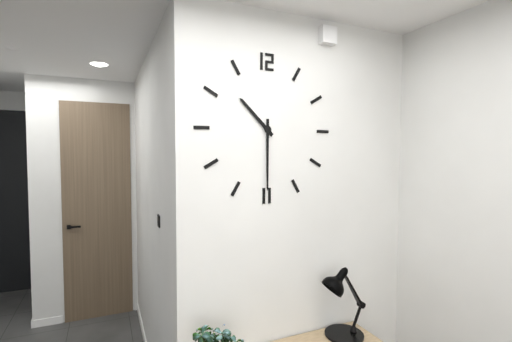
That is 10:30
